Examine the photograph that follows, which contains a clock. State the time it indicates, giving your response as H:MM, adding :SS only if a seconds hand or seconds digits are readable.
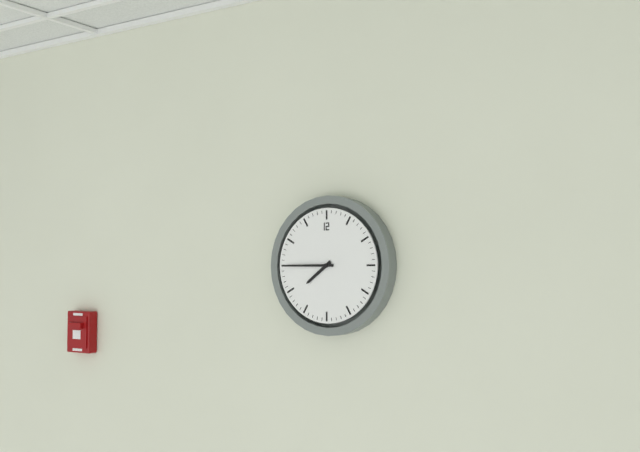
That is 7:45
